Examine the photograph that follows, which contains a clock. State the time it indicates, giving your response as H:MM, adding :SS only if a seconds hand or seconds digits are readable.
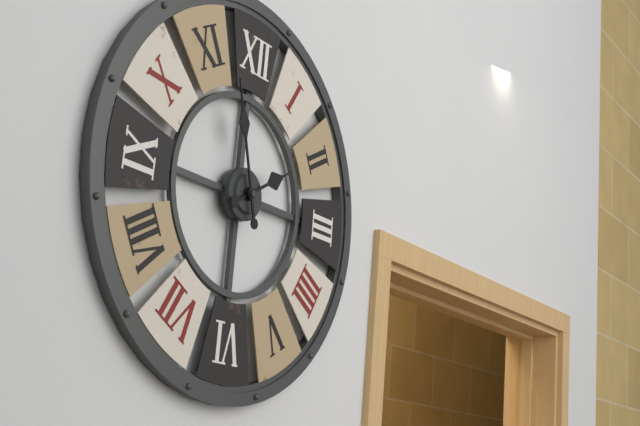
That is 1:57
